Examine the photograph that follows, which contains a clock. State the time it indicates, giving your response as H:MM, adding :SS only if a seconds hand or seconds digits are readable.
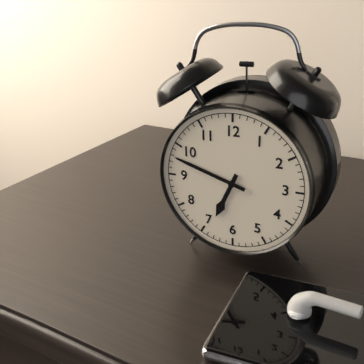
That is 6:48
